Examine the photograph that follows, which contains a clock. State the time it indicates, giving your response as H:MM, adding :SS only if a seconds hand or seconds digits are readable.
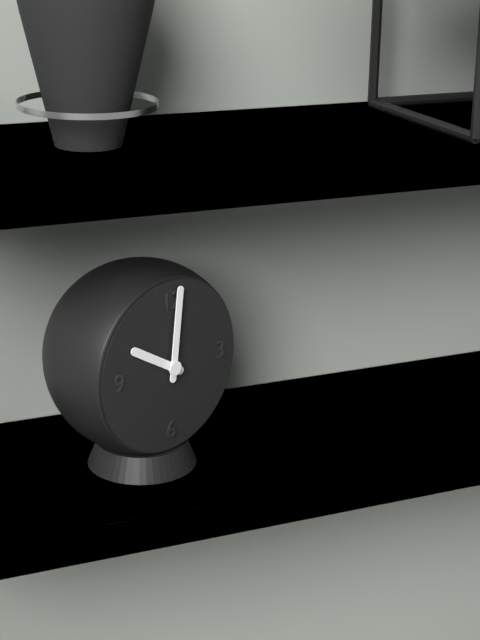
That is 10:01
